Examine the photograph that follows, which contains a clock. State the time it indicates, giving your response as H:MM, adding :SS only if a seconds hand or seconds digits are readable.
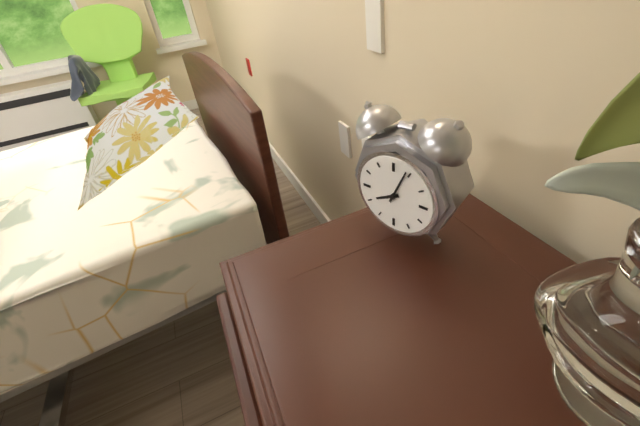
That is 8:04
